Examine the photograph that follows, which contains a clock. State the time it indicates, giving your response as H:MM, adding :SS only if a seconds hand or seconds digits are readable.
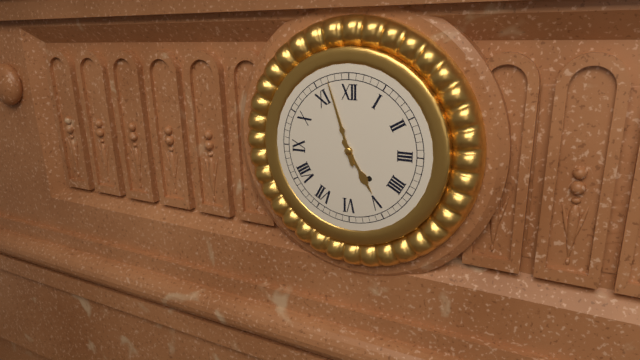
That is 4:57
